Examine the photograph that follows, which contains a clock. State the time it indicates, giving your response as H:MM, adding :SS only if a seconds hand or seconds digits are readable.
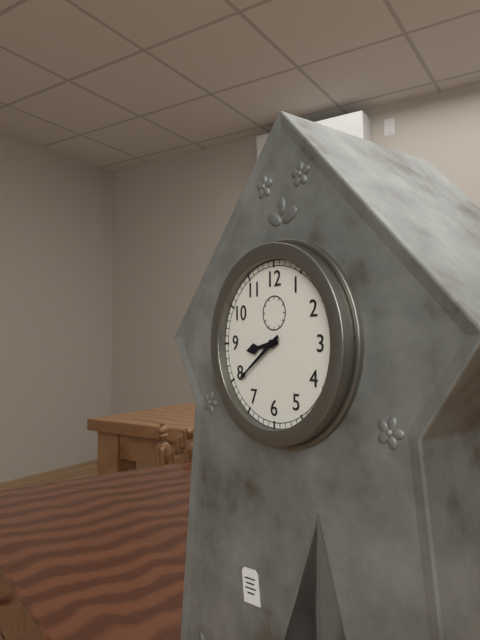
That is 8:39
